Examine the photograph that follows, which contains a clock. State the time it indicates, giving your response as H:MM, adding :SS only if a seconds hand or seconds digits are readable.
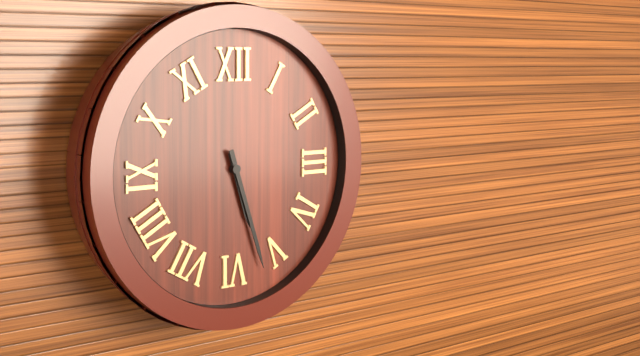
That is 5:27
